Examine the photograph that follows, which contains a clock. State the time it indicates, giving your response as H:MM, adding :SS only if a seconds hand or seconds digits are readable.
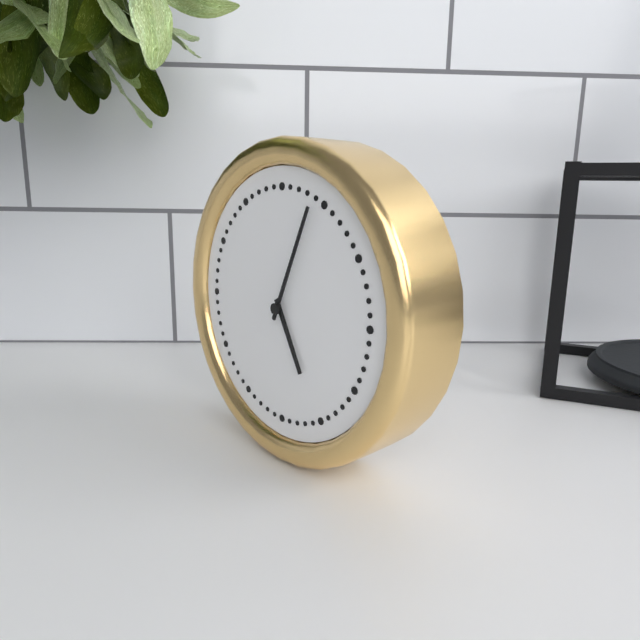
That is 5:04
